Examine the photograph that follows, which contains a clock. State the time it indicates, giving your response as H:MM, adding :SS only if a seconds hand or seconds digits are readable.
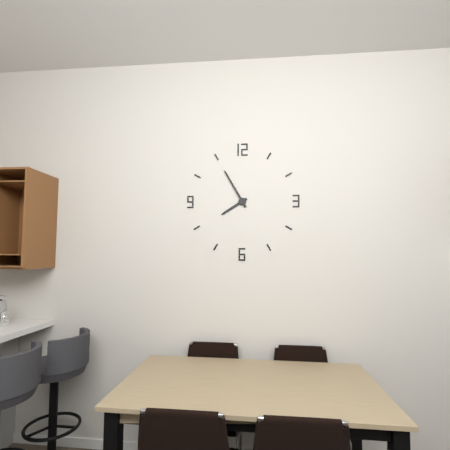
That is 7:55
